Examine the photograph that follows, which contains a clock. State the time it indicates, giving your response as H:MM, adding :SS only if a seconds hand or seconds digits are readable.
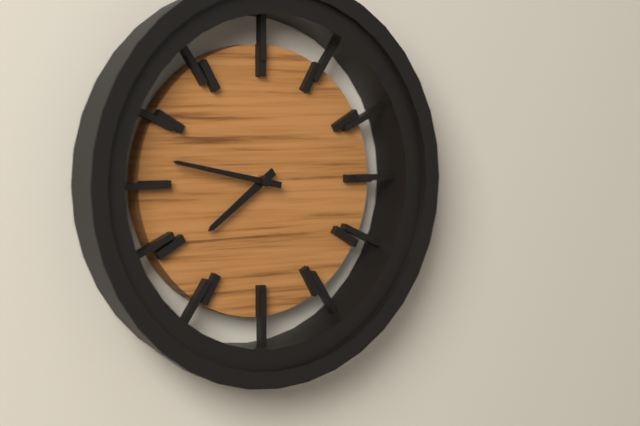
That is 7:47
